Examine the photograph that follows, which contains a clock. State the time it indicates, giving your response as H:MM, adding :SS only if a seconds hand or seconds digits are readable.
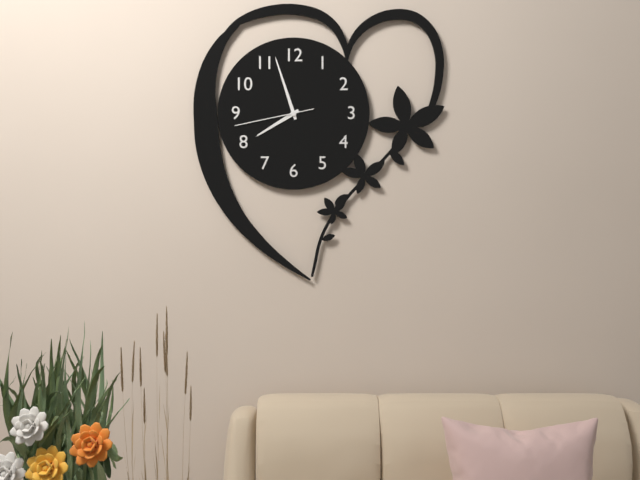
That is 7:57:43
